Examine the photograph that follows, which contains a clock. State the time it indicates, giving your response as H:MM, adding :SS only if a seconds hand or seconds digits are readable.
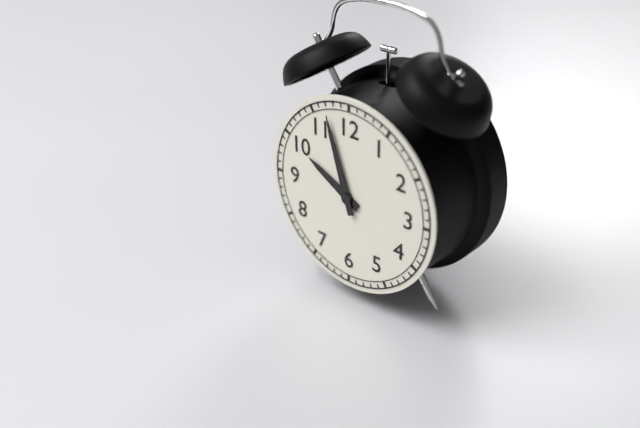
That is 9:57
